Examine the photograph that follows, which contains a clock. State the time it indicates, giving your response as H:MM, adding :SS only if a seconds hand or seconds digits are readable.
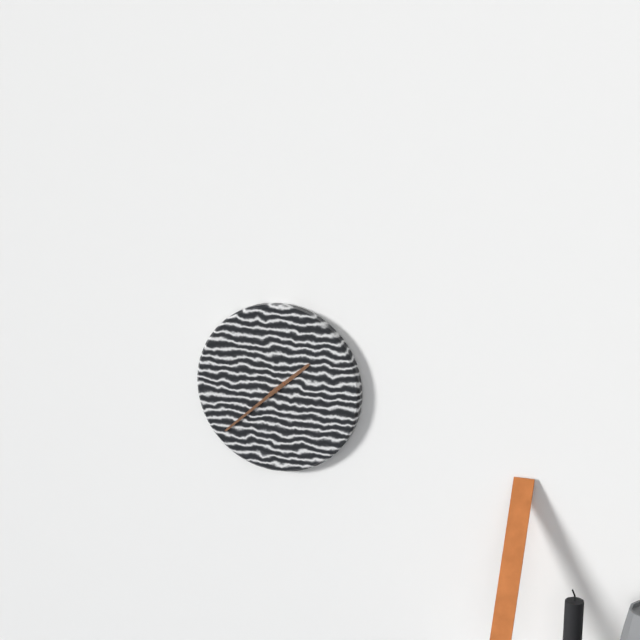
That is 1:38
